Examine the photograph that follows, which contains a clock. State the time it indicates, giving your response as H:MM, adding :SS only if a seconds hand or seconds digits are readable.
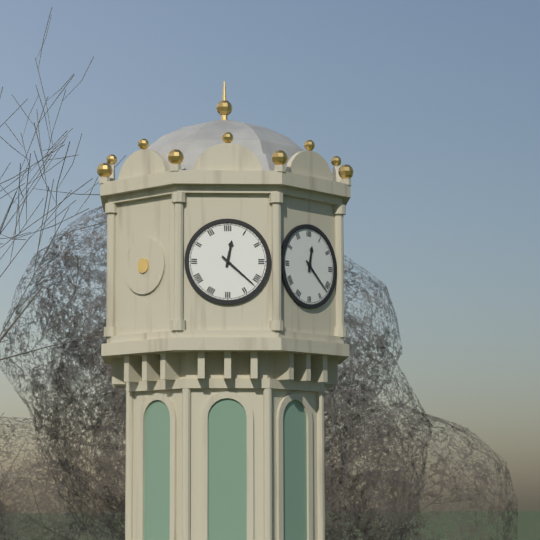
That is 12:22
